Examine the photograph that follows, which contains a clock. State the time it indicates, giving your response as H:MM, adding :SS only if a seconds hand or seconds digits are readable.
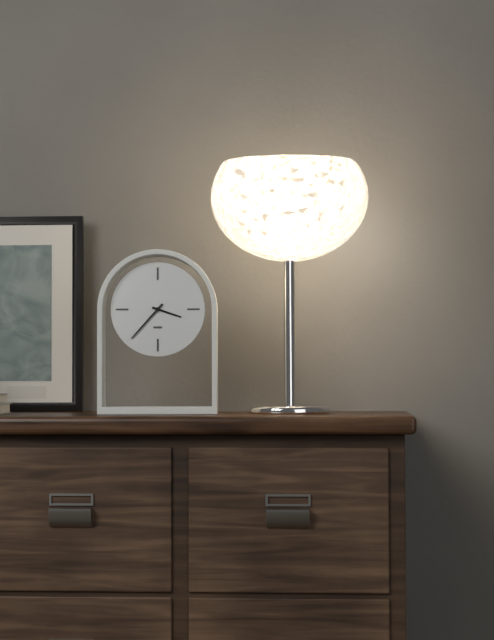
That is 3:37
